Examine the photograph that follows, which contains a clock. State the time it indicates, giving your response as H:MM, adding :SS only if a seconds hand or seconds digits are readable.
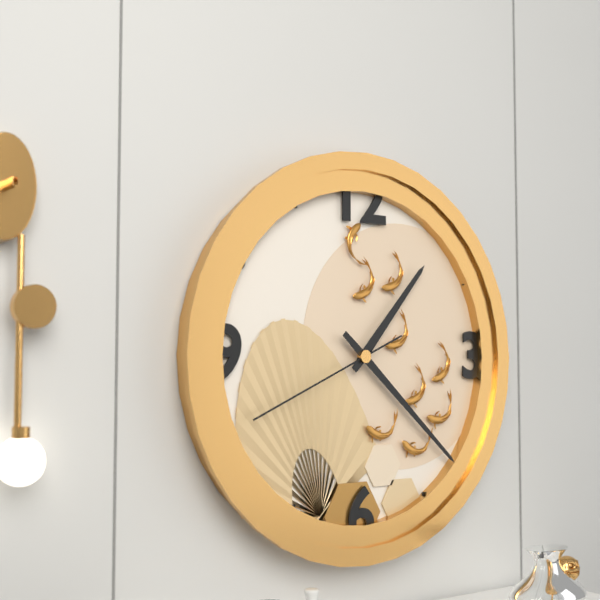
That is 1:22:41
